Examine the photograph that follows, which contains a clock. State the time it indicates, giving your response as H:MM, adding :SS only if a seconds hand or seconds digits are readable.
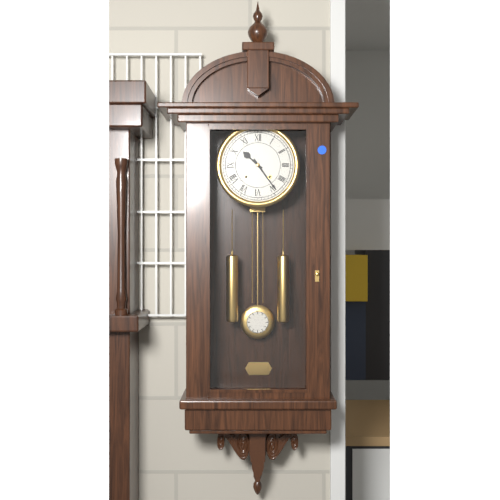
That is 10:24
